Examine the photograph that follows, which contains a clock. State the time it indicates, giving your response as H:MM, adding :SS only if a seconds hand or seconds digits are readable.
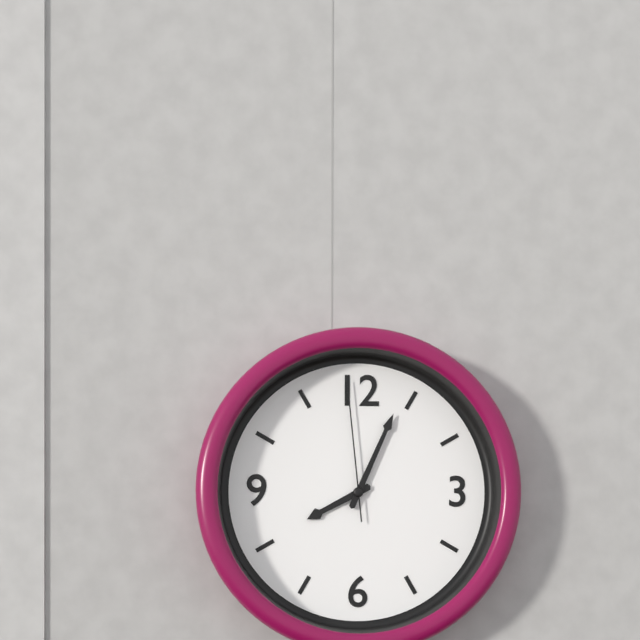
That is 8:04:59
